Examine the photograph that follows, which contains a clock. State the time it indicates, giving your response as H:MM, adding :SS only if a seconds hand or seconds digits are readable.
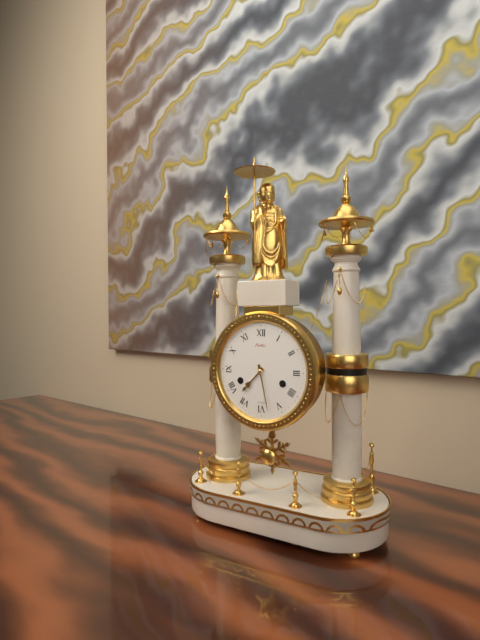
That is 7:28
